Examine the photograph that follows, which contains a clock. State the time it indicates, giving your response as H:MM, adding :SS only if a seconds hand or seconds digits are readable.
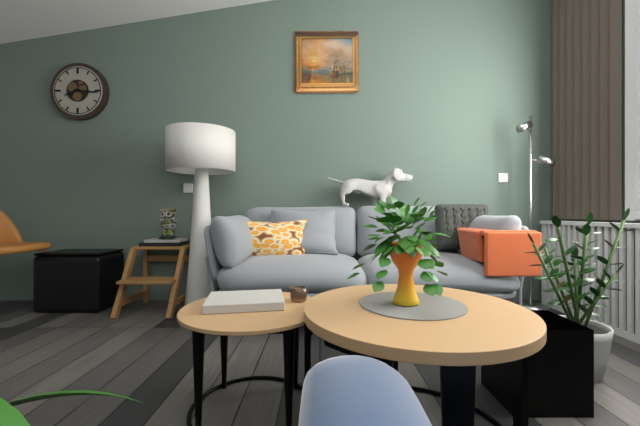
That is 8:16
